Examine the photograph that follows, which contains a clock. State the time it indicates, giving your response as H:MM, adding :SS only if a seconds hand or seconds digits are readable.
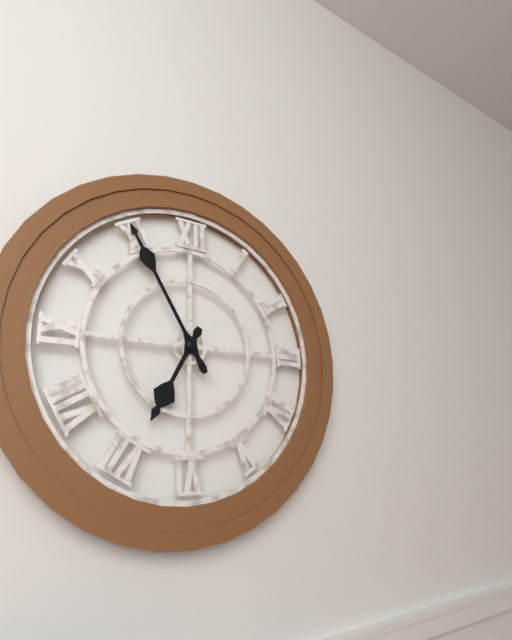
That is 6:55
